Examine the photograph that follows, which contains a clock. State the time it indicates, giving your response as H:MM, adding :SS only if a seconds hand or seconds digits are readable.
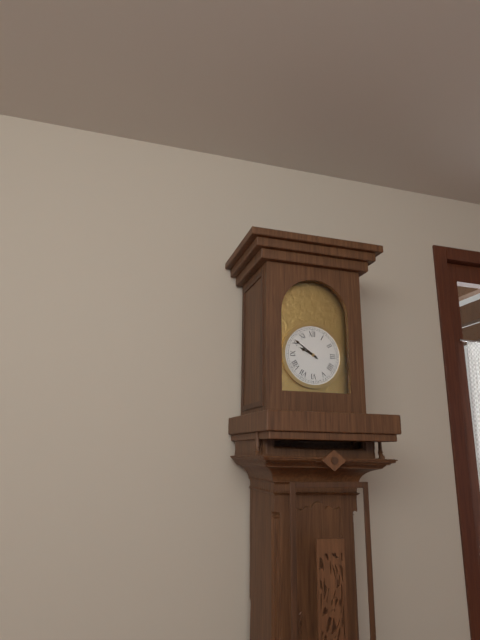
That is 9:51
